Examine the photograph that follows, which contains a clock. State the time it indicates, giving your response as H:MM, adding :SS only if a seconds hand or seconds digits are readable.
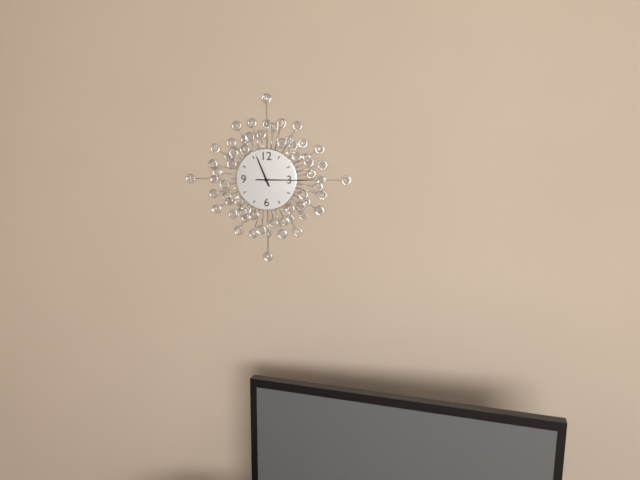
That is 11:15
